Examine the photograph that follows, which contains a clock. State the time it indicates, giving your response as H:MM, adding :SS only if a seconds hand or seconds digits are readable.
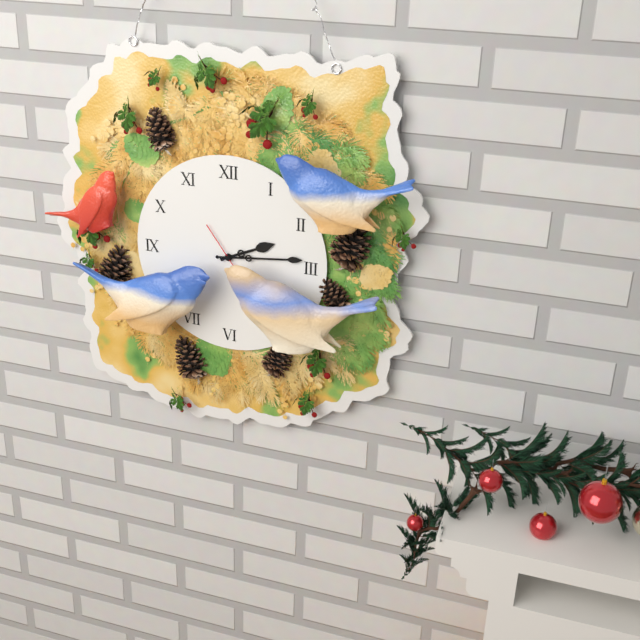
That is 2:14
